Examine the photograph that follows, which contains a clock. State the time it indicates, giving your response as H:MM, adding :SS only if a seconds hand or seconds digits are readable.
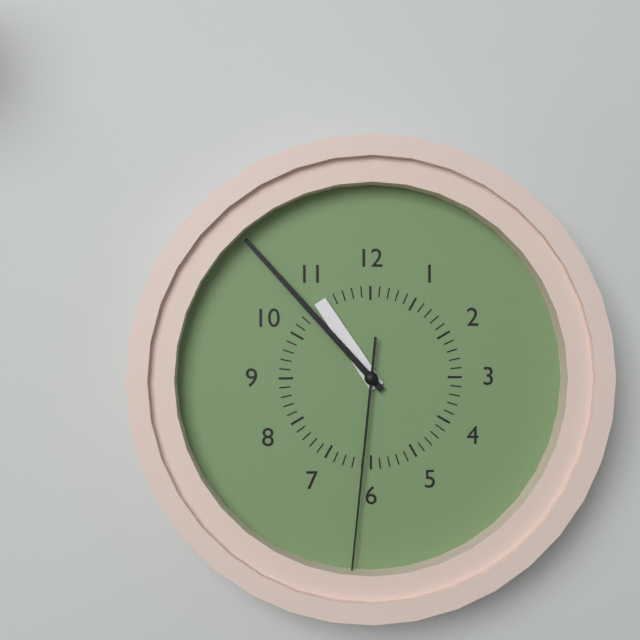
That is 10:53:31
